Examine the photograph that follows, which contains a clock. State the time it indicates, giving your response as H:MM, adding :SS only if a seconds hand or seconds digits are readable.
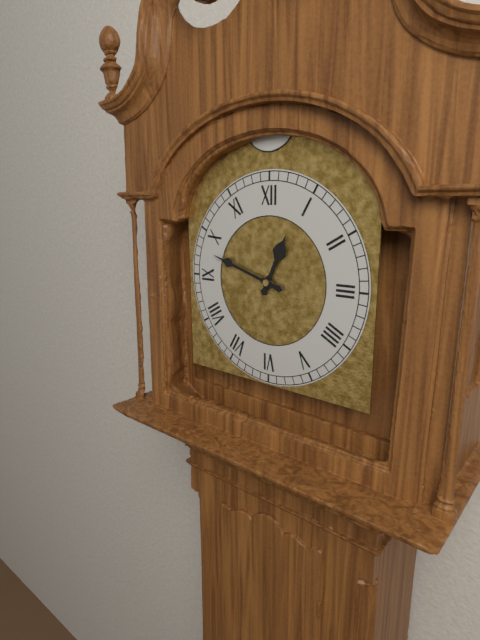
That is 12:48
